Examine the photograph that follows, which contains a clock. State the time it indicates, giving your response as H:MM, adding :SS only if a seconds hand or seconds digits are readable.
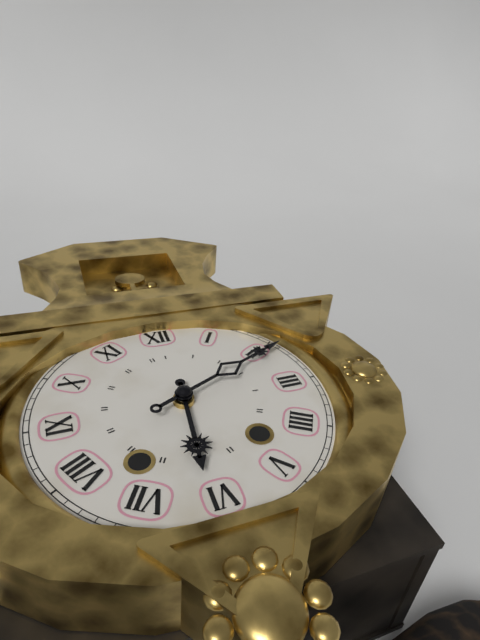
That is 6:11
